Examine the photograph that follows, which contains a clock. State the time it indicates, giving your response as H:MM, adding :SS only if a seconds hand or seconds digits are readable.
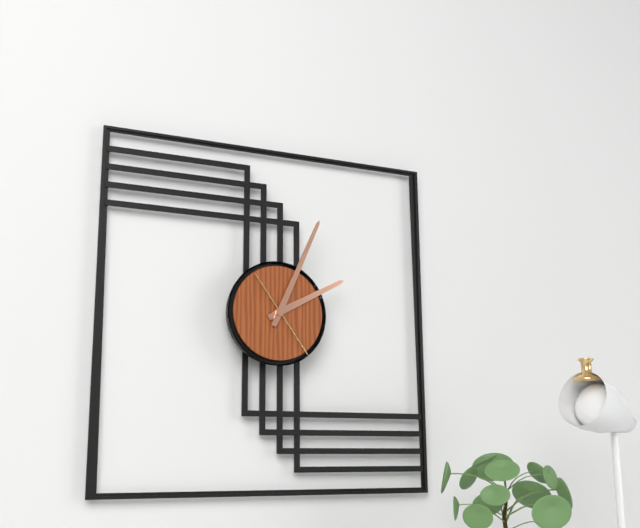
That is 2:04:24
